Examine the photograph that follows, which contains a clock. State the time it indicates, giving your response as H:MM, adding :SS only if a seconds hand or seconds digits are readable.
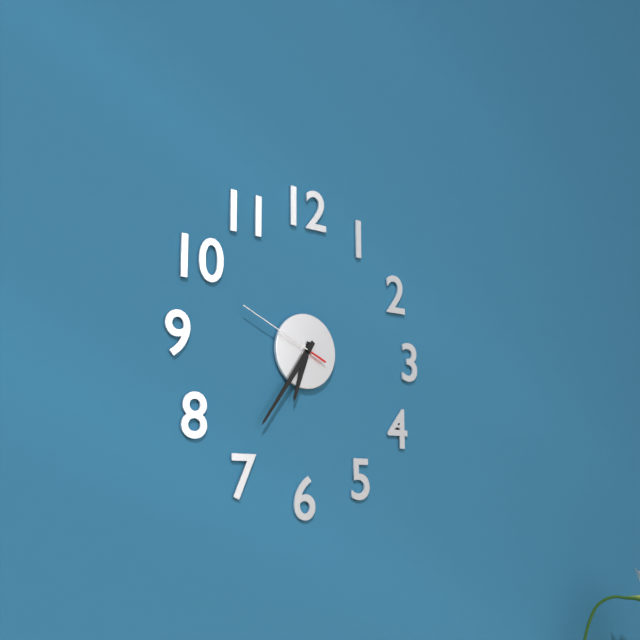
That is 6:36:49
